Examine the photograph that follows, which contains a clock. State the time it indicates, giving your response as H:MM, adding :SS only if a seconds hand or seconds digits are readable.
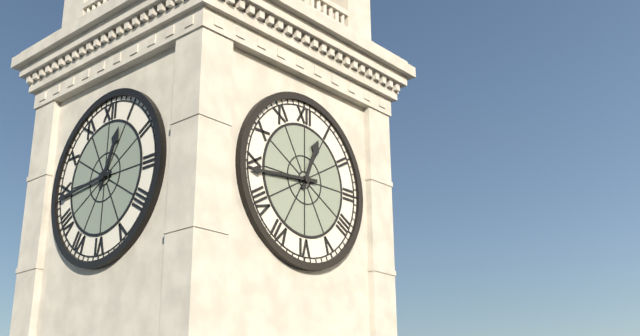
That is 12:44
